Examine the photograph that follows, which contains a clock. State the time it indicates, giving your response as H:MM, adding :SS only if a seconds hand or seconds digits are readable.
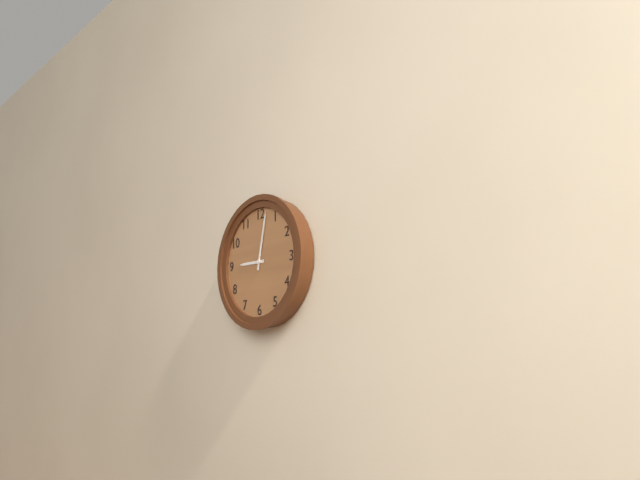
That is 9:02
